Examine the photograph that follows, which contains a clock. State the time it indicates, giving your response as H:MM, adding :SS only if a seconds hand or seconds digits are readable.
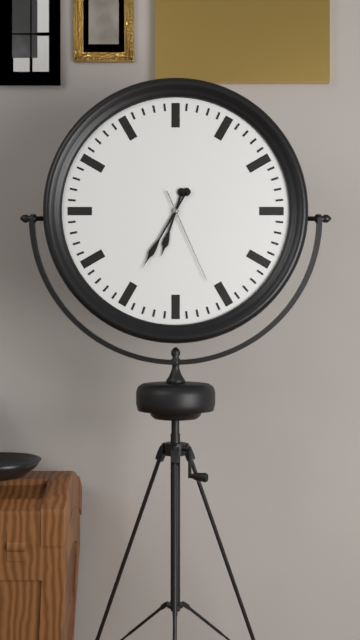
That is 6:35:26
